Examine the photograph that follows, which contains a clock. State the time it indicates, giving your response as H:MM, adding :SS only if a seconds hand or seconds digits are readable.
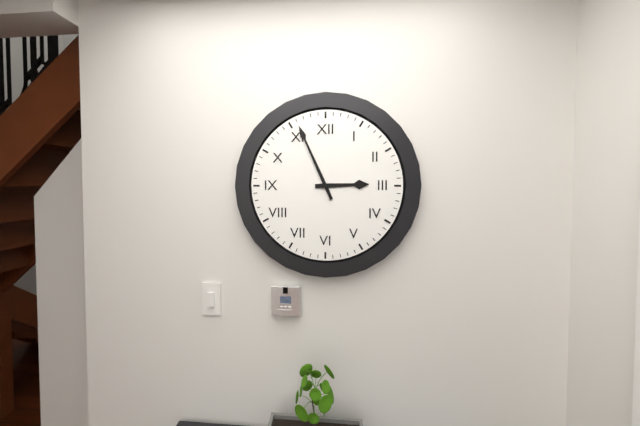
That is 2:56
